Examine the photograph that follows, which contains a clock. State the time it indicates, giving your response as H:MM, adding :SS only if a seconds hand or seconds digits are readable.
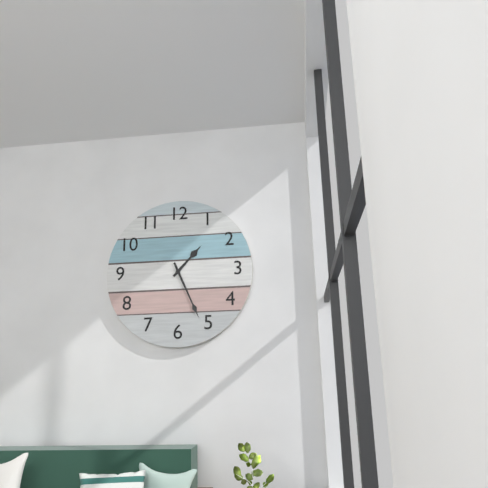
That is 1:26
